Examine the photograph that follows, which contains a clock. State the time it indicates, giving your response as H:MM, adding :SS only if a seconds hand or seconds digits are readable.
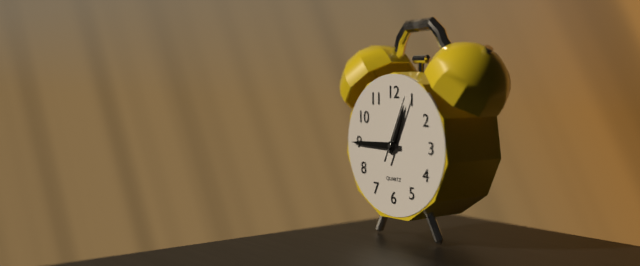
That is 12:45:04
